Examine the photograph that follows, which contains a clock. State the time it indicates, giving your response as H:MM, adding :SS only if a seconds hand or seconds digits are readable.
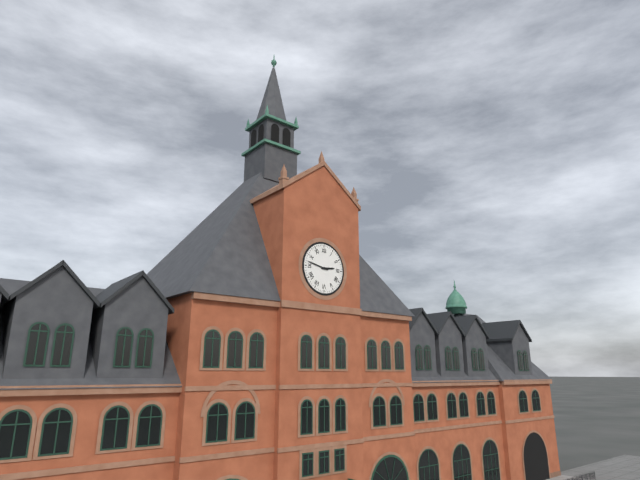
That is 2:47
